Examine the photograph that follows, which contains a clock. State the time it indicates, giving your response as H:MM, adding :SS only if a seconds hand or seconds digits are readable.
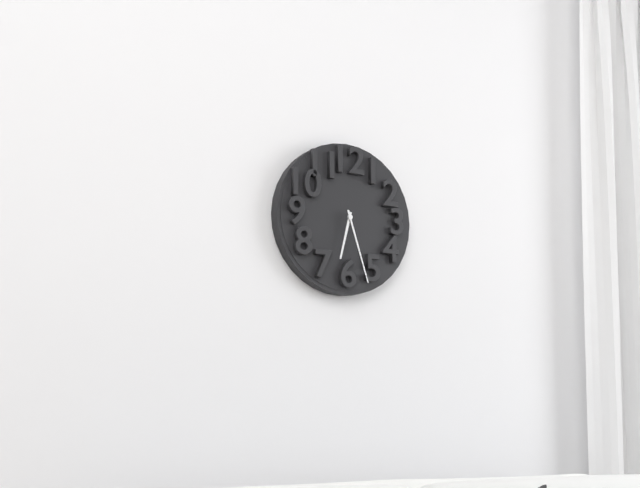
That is 6:27
